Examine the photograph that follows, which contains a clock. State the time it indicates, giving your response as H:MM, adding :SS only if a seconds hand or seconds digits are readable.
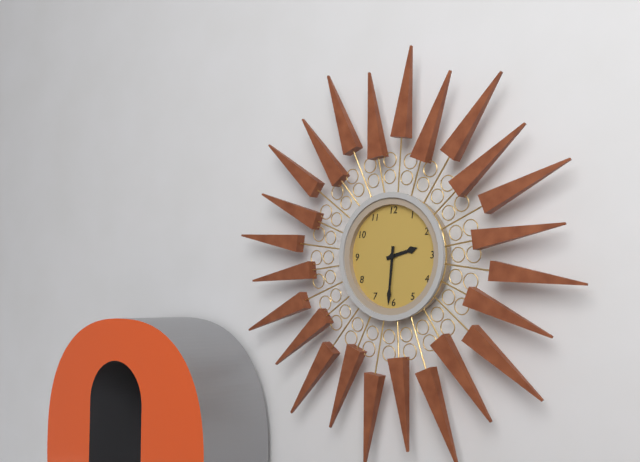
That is 2:31
